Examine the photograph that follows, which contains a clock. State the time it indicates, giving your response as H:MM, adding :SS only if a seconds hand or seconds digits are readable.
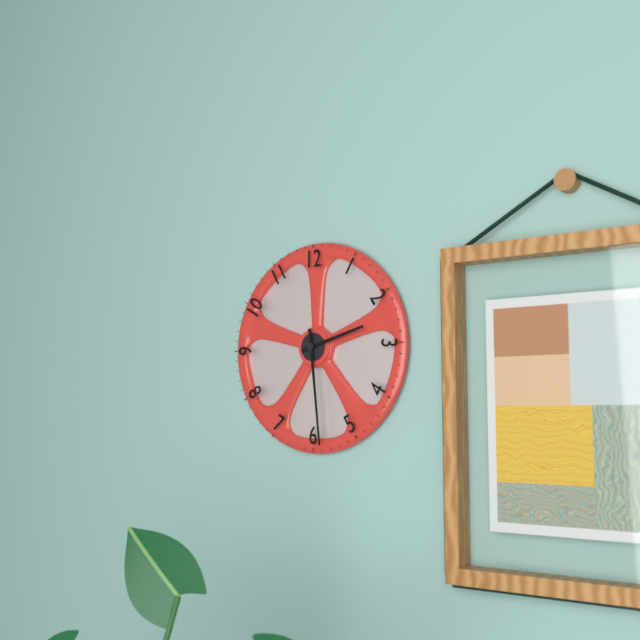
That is 2:29
